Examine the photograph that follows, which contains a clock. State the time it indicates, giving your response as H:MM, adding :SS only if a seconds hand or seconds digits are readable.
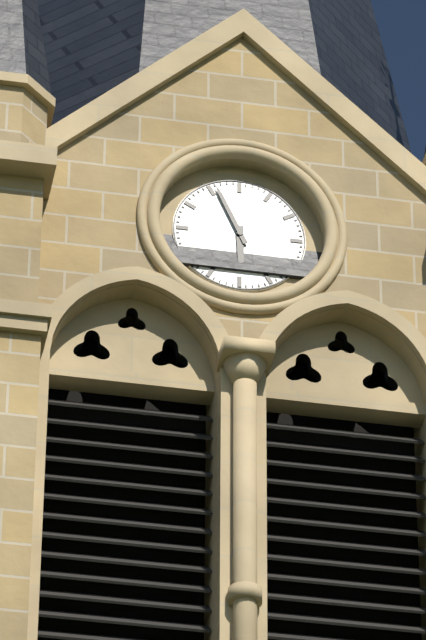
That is 5:56
